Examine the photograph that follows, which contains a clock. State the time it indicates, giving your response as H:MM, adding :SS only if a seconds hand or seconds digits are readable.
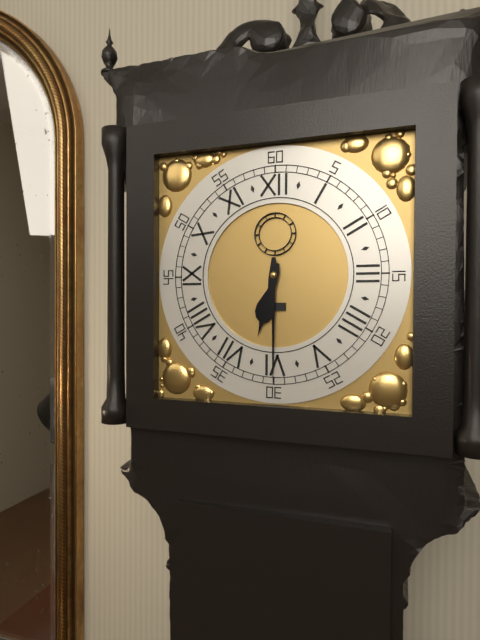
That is 6:30
